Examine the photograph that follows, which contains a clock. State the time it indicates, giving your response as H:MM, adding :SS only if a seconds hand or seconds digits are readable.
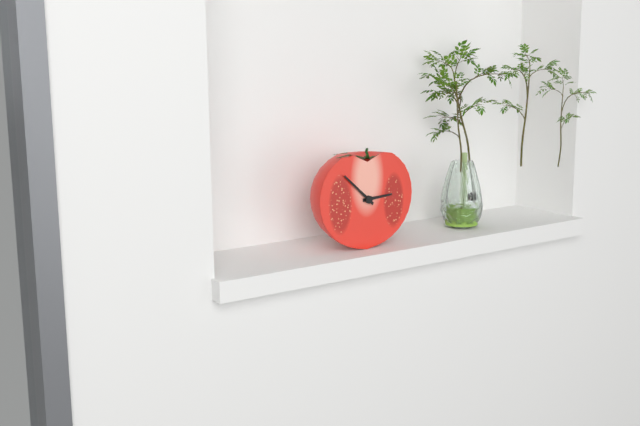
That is 2:52
